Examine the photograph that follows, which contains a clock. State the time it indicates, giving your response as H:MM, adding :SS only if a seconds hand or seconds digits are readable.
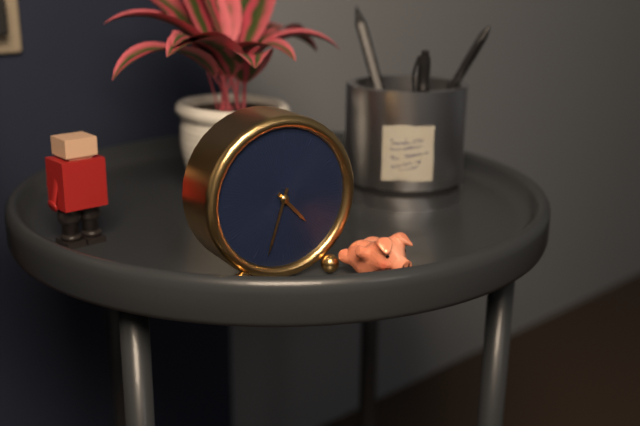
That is 4:33
